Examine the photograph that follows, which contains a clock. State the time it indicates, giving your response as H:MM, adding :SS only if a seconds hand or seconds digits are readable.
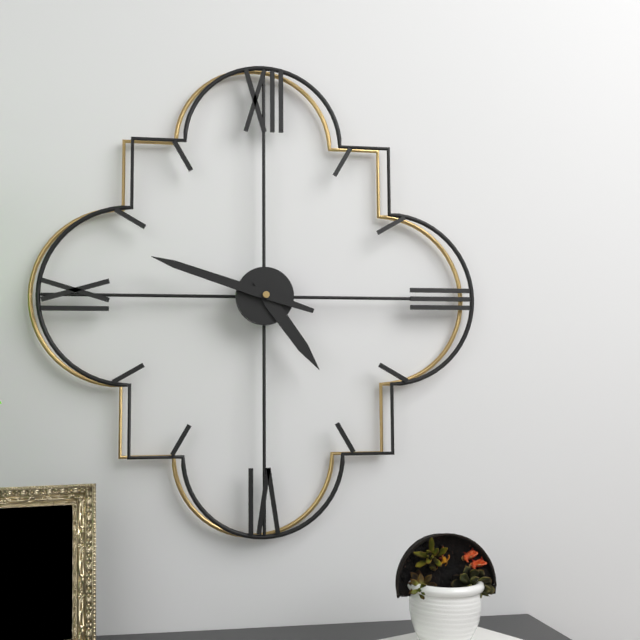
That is 4:48
